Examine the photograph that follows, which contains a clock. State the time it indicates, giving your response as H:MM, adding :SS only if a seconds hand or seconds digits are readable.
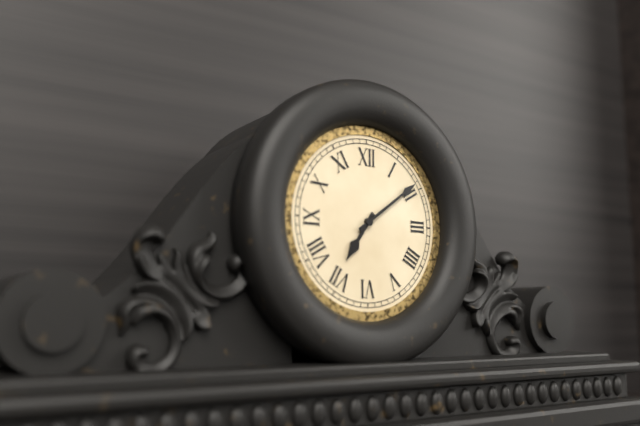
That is 7:09
